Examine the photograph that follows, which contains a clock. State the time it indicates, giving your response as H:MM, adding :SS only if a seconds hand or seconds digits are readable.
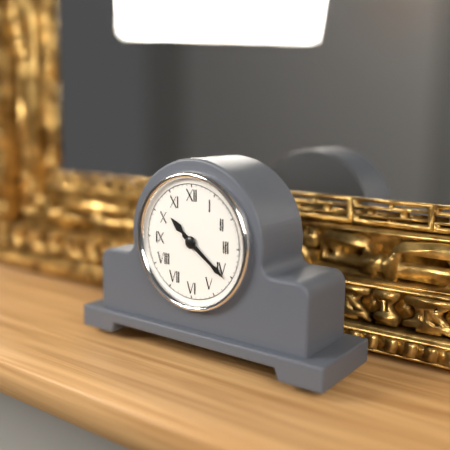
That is 10:21
